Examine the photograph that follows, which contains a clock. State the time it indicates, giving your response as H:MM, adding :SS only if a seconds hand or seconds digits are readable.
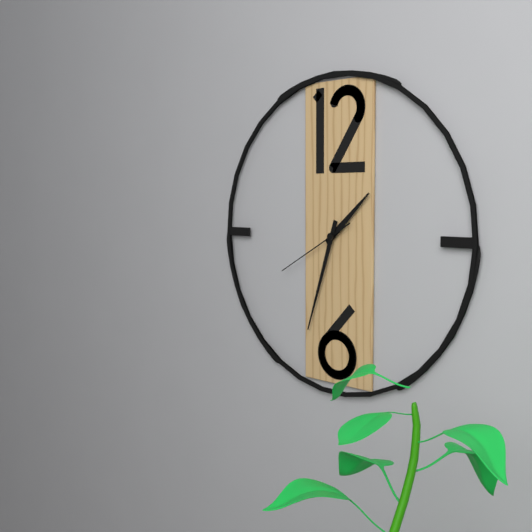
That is 1:33:40
